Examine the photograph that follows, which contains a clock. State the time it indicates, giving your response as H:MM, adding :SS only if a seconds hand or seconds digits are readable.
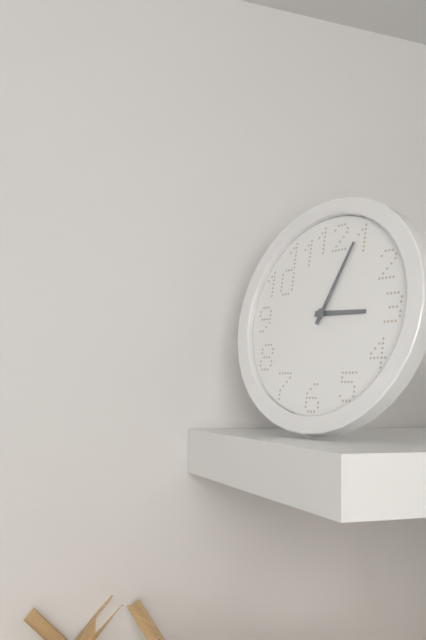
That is 3:04
